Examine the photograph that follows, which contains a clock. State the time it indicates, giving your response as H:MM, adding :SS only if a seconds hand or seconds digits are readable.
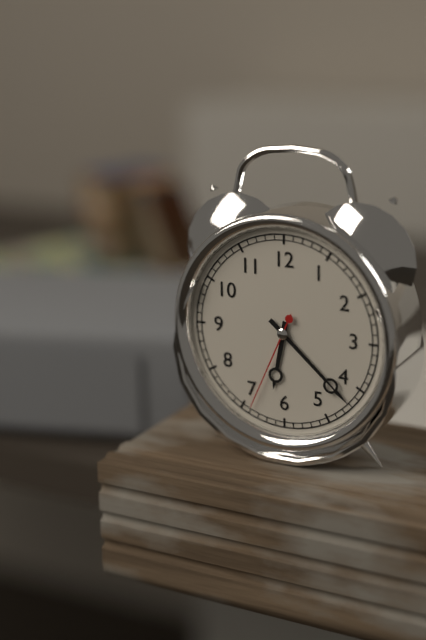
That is 6:22:34
